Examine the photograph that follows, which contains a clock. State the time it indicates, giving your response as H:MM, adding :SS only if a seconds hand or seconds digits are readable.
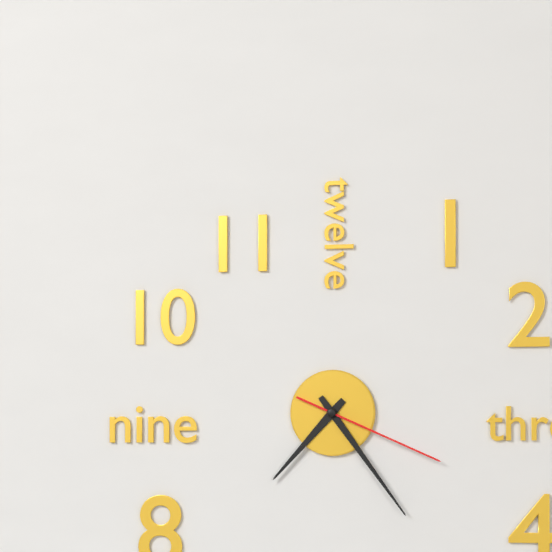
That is 7:24:19
